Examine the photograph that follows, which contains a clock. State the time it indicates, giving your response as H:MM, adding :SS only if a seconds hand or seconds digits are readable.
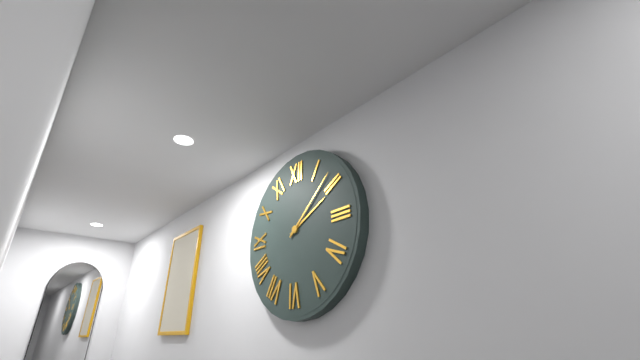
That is 2:08
